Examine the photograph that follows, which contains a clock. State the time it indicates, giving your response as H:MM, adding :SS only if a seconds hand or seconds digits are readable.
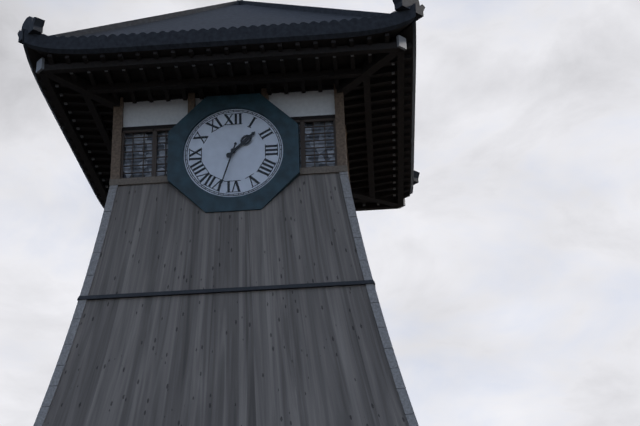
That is 1:33
